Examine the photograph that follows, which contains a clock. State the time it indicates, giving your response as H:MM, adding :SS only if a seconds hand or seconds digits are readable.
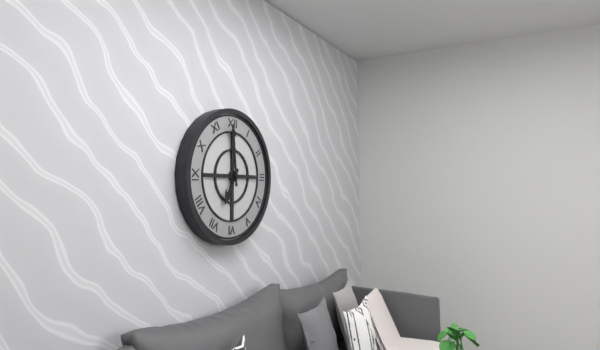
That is 6:59
